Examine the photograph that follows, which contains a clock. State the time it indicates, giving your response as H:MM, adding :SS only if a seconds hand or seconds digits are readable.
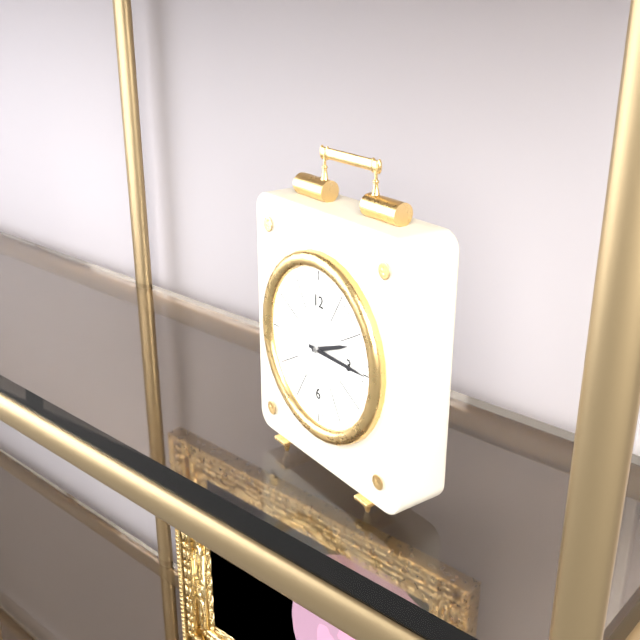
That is 2:15
